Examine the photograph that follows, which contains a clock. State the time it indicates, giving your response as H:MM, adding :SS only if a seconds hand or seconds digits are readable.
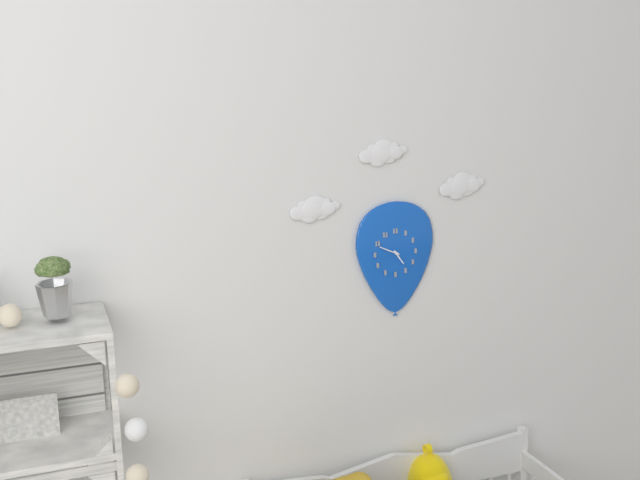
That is 4:49
